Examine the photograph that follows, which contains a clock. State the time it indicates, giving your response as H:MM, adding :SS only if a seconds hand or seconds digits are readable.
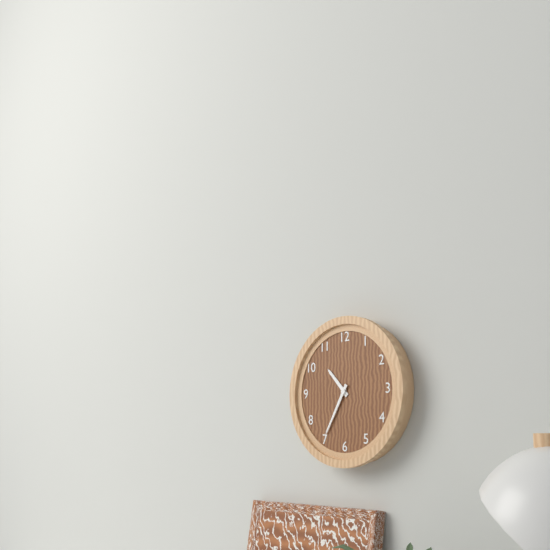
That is 10:35
